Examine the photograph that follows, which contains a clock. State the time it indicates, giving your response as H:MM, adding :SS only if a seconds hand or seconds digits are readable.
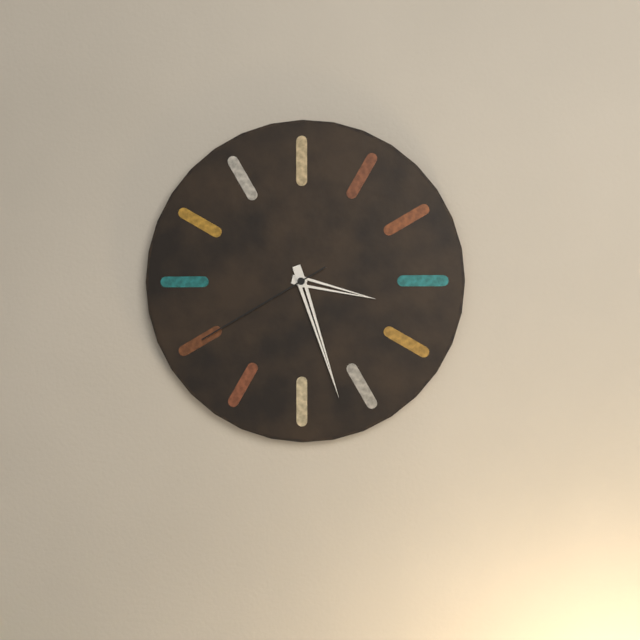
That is 3:27:40
